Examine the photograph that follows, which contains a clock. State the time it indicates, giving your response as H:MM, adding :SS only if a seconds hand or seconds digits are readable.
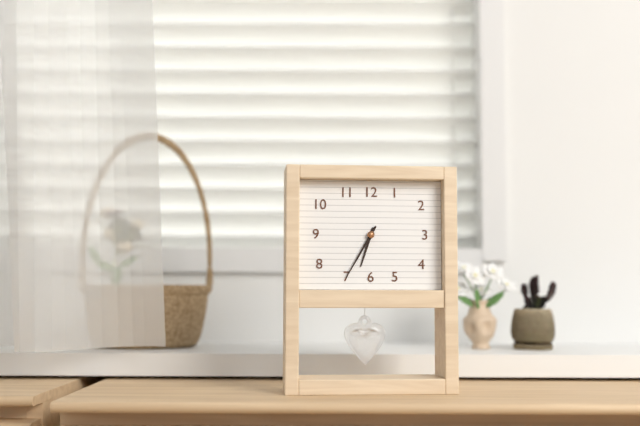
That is 6:35
